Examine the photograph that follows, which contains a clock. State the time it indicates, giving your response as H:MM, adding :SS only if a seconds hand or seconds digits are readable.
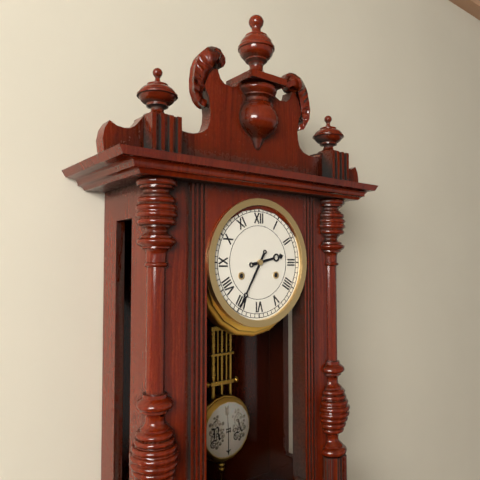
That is 2:35
